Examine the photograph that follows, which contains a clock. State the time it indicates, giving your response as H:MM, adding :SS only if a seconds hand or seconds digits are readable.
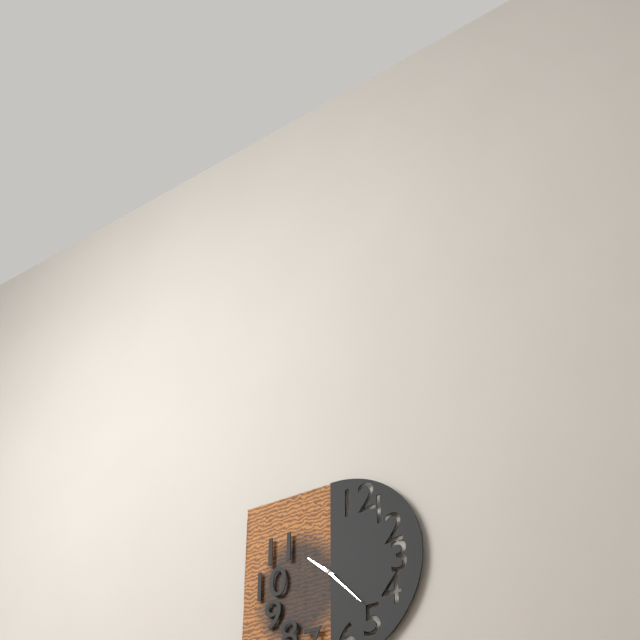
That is 10:23
